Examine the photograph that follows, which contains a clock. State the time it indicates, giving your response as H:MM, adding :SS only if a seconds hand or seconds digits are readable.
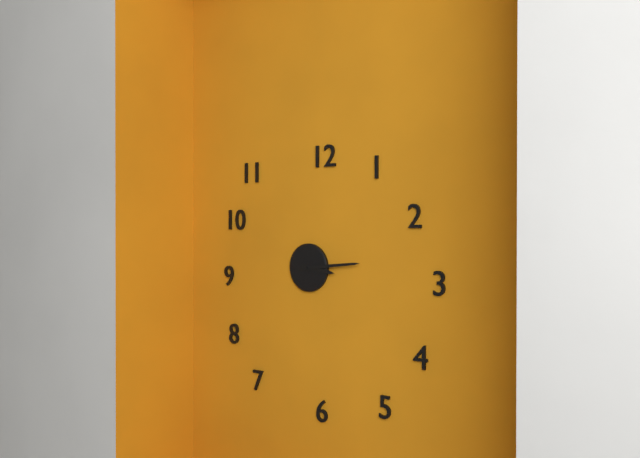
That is 3:14
